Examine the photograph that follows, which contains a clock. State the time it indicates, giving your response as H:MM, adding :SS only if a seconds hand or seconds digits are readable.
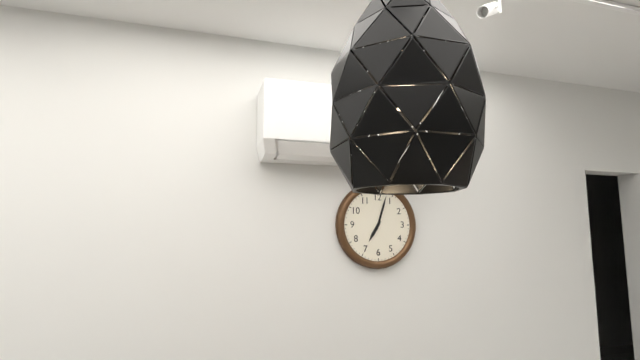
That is 7:03
